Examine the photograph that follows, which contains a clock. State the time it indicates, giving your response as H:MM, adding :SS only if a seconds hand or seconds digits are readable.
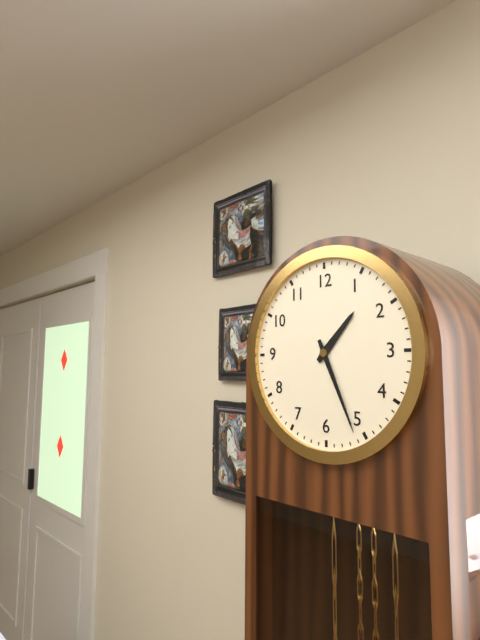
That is 1:26
